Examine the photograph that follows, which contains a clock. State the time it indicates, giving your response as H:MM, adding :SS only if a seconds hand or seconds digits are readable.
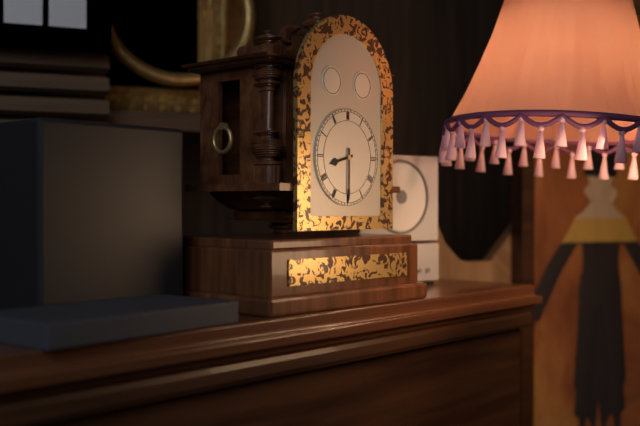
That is 8:30
